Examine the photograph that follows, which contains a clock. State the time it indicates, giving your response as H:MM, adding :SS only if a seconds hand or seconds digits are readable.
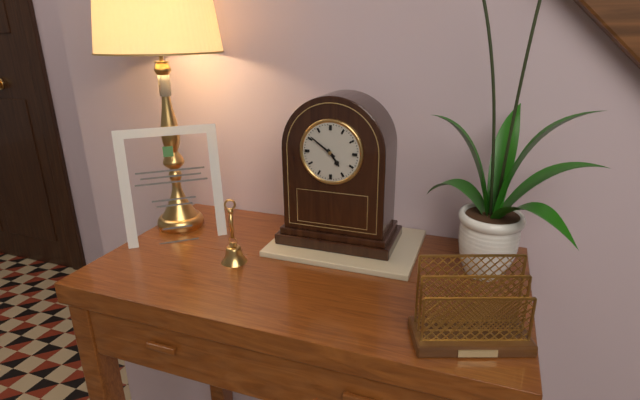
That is 4:51
